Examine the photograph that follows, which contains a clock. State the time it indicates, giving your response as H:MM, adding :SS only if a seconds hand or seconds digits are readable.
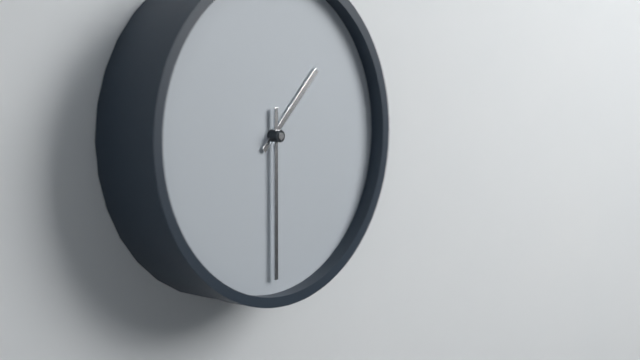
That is 1:30
